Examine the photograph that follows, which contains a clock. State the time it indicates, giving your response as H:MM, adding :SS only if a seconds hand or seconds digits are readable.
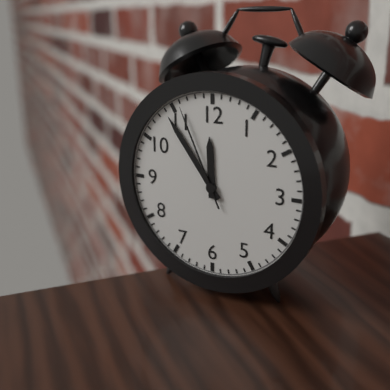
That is 11:54:56
